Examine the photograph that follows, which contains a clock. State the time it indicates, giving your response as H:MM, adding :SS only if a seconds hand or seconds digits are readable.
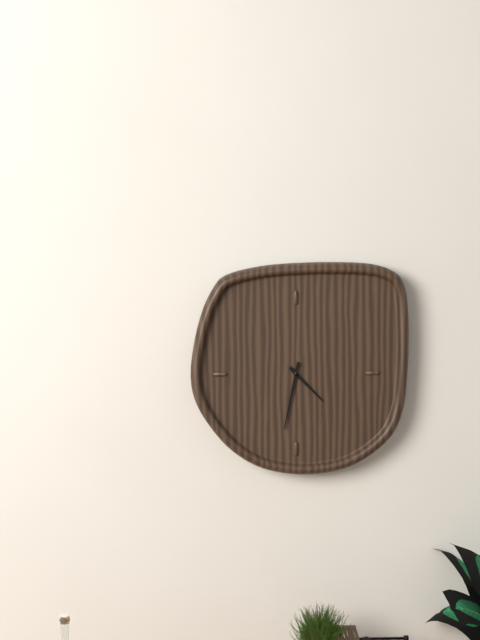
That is 4:32
